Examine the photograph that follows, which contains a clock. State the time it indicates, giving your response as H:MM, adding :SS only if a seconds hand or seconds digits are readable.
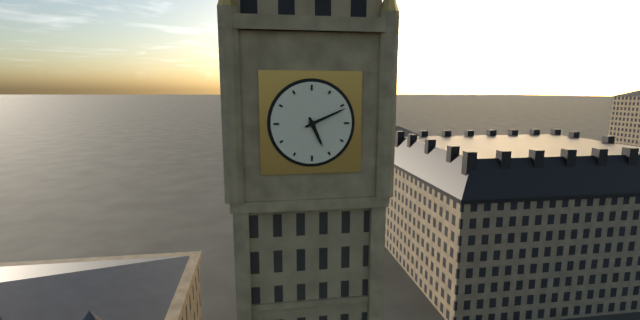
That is 5:11
